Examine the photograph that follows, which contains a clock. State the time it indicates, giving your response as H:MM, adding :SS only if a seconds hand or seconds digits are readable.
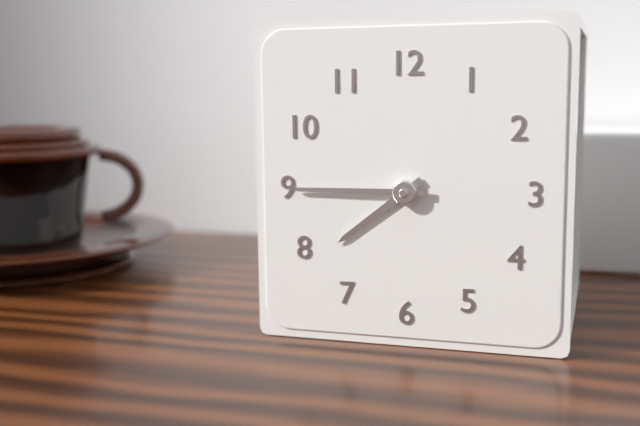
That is 7:45
